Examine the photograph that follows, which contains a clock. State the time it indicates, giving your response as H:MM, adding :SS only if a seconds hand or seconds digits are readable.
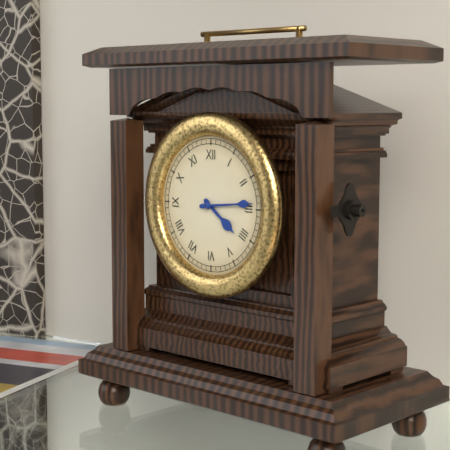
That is 4:14
